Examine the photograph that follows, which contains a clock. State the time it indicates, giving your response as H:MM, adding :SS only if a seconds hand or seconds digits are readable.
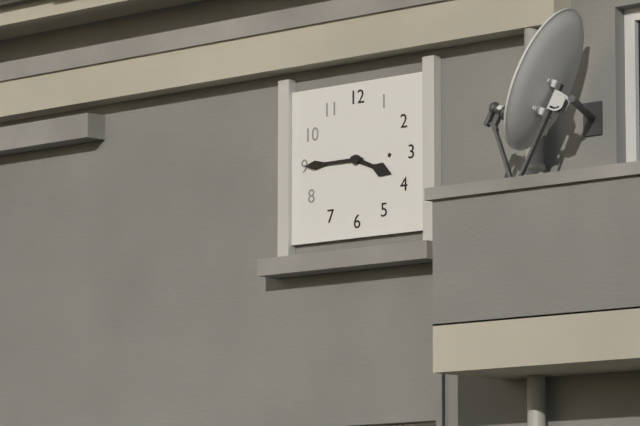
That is 3:45
